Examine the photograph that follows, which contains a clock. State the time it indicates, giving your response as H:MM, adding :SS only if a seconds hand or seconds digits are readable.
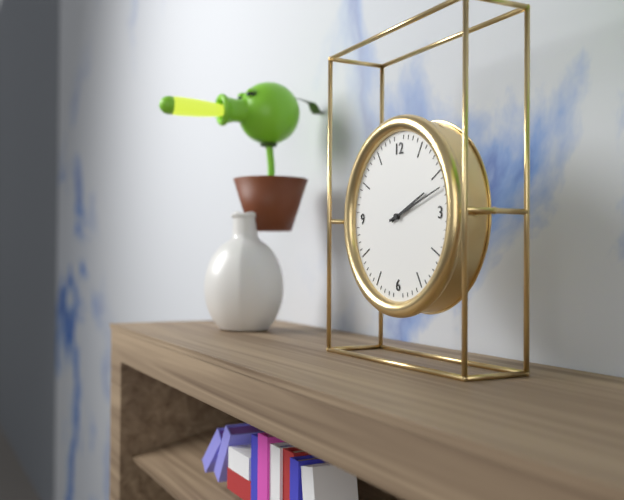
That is 2:12
